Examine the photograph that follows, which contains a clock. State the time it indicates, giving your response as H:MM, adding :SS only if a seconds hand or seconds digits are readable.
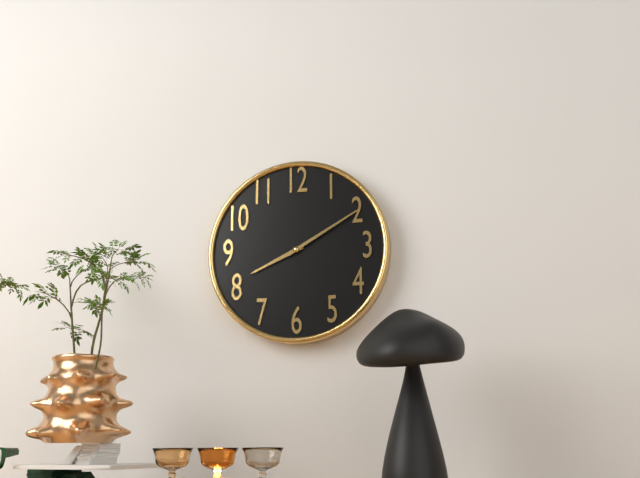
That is 8:10
